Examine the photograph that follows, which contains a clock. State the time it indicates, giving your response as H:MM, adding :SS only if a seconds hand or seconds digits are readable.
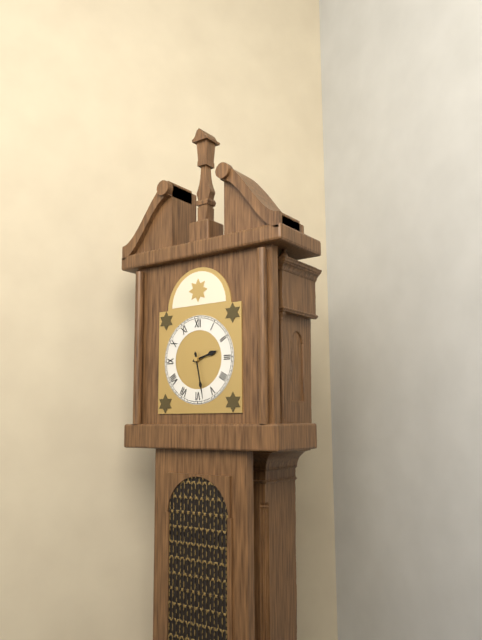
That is 2:28
